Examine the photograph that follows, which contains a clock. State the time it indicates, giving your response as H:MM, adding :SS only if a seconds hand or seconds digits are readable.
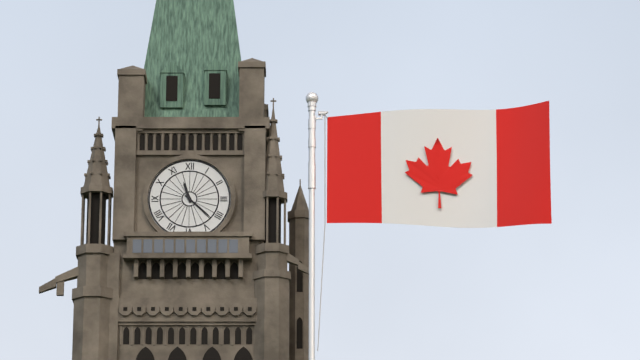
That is 11:22
